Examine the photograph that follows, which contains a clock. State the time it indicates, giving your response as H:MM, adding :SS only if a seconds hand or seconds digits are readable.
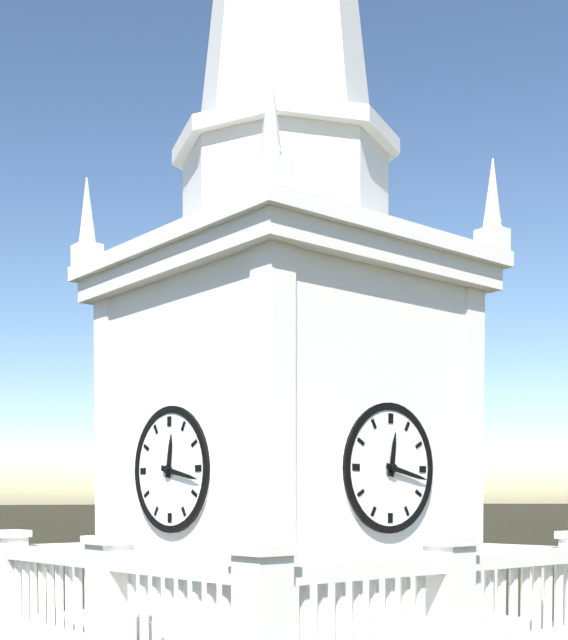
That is 12:17
